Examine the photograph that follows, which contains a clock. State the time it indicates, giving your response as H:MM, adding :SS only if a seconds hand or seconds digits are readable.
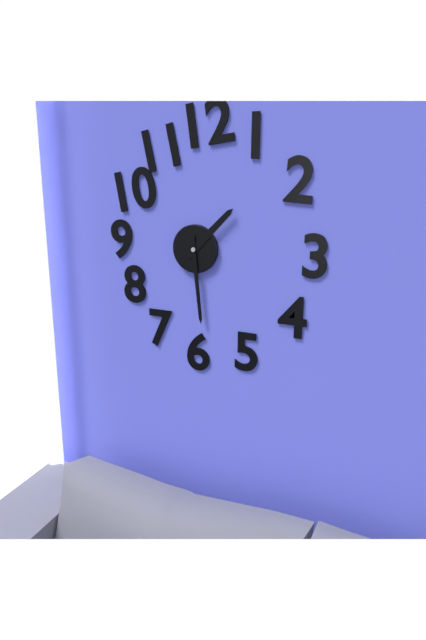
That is 1:29
